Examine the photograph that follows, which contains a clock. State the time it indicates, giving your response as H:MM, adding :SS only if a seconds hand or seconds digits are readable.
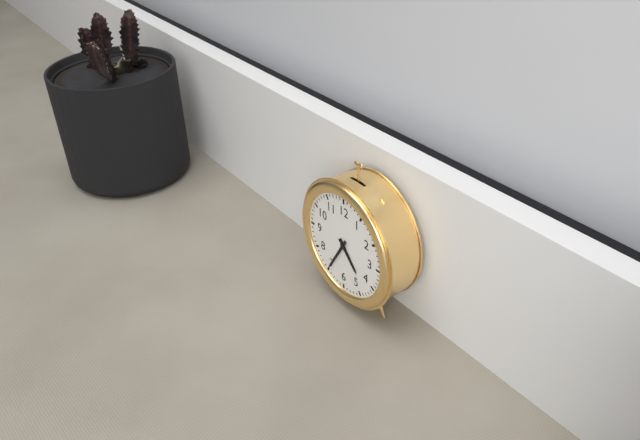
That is 4:35
